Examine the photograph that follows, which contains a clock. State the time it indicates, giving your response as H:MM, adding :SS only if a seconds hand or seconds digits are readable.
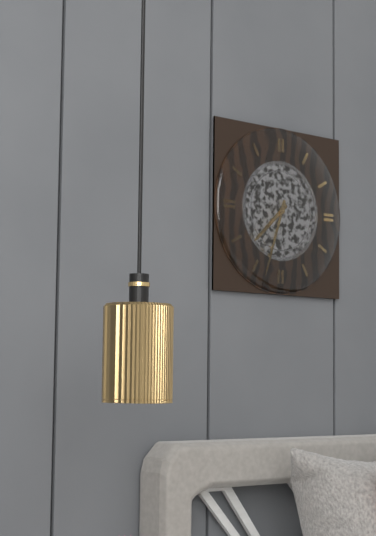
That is 7:33
